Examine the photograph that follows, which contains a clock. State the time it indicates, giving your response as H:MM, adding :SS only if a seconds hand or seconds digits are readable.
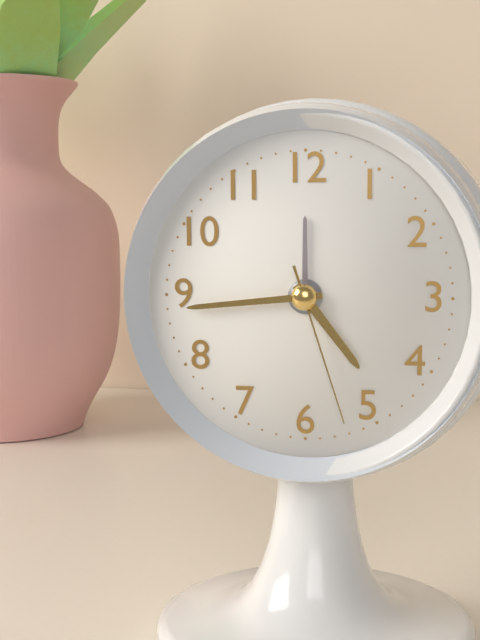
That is 4:44:27
